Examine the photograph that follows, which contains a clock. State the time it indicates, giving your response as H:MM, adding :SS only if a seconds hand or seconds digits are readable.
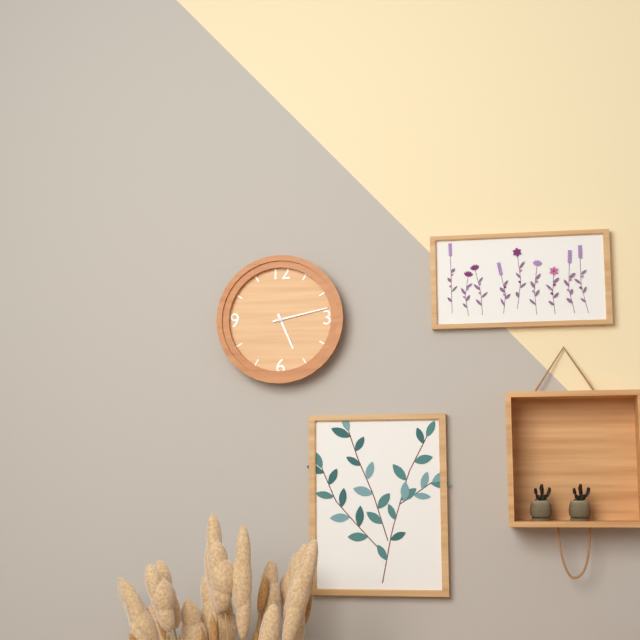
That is 5:13
